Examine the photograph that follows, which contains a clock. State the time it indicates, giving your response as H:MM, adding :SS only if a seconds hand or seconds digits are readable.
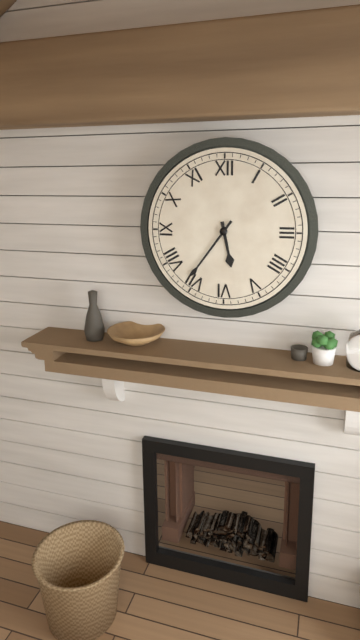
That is 5:36
